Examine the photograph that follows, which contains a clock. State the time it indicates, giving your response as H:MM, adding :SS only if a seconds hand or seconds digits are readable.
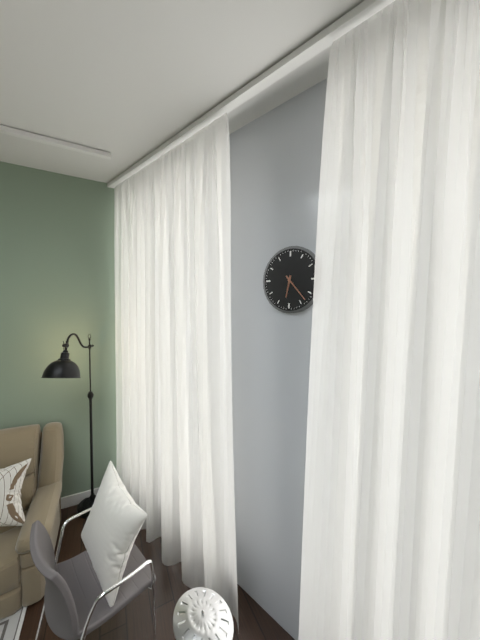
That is 6:23
